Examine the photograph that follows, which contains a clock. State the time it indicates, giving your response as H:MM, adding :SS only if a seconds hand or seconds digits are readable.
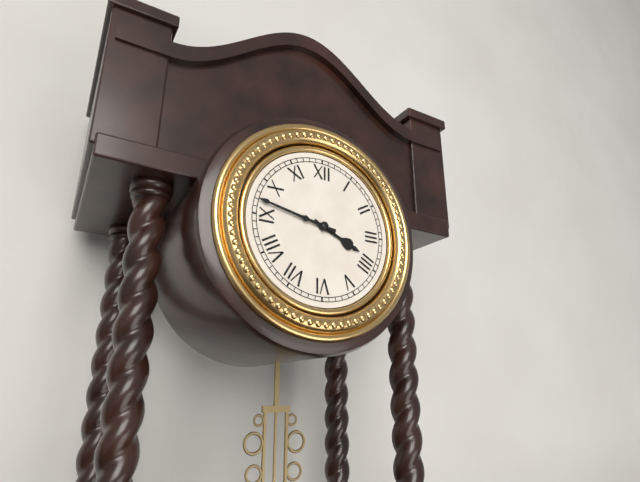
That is 3:47
